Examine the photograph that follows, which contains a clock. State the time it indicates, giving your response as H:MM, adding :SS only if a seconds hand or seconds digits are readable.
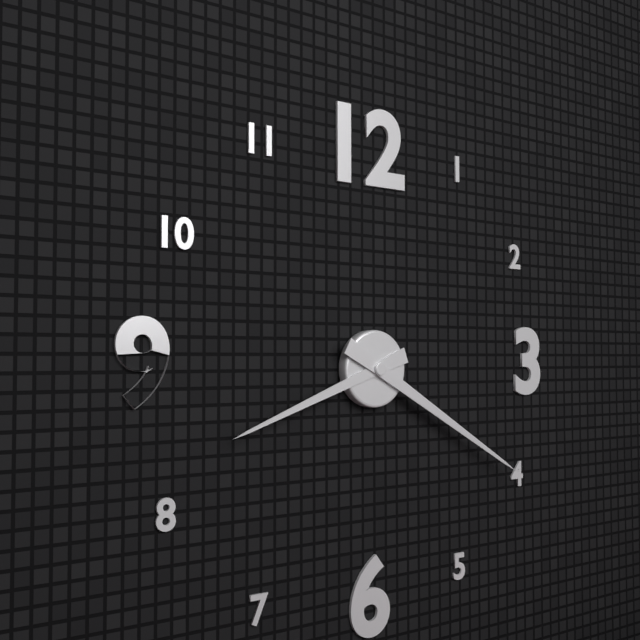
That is 8:20
